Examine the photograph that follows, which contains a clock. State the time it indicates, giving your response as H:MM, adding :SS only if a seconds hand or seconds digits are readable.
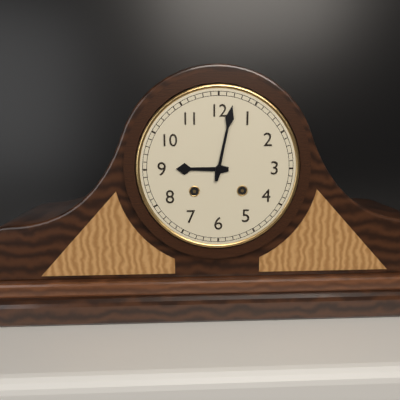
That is 9:02
